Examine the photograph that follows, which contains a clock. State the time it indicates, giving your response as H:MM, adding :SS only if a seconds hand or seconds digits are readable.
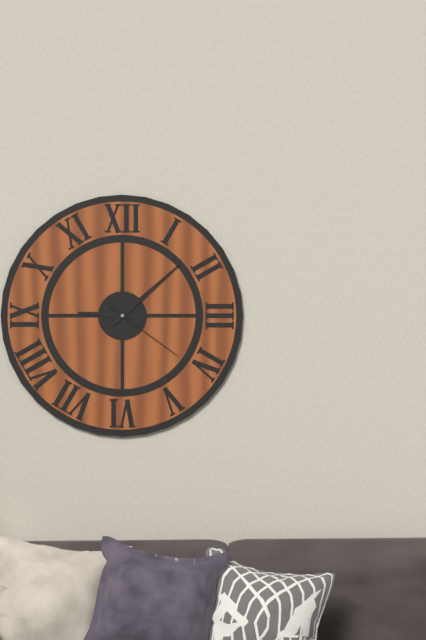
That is 9:08:21
